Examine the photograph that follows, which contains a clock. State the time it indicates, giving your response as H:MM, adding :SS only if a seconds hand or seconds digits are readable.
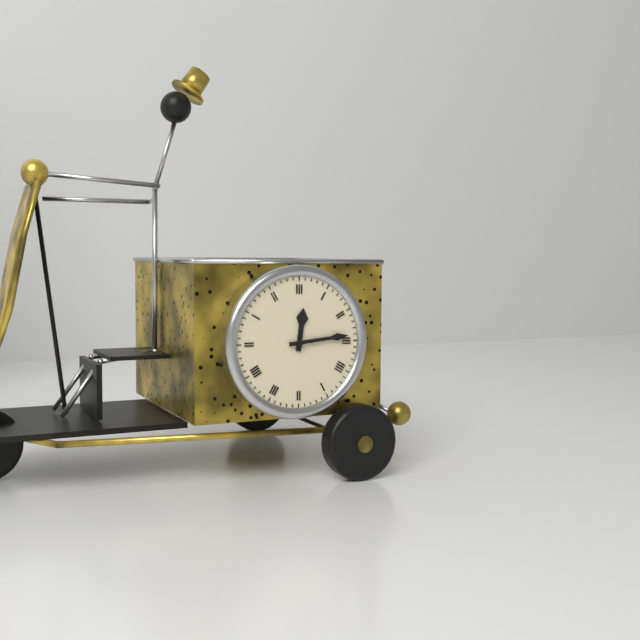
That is 12:14
